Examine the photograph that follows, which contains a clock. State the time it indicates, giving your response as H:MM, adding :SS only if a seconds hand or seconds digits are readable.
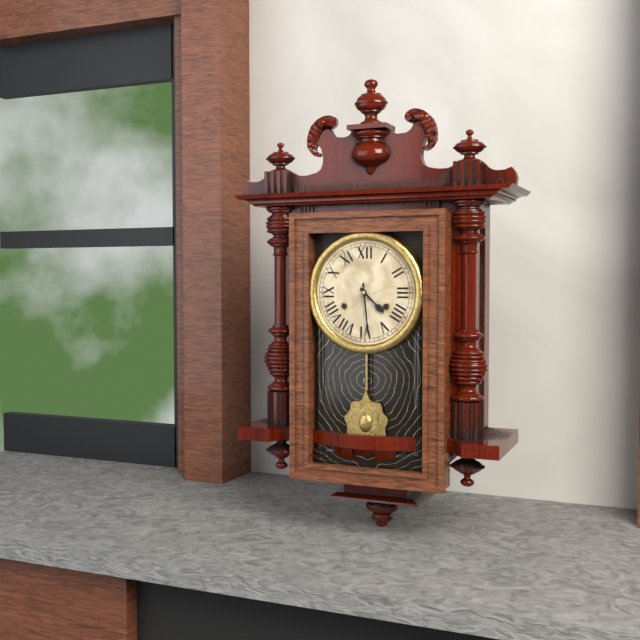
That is 4:29
